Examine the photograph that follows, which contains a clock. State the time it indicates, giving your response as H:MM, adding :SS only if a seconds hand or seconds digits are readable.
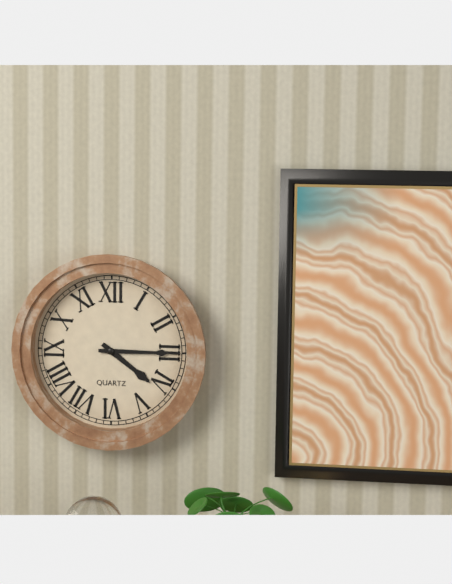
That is 4:15
